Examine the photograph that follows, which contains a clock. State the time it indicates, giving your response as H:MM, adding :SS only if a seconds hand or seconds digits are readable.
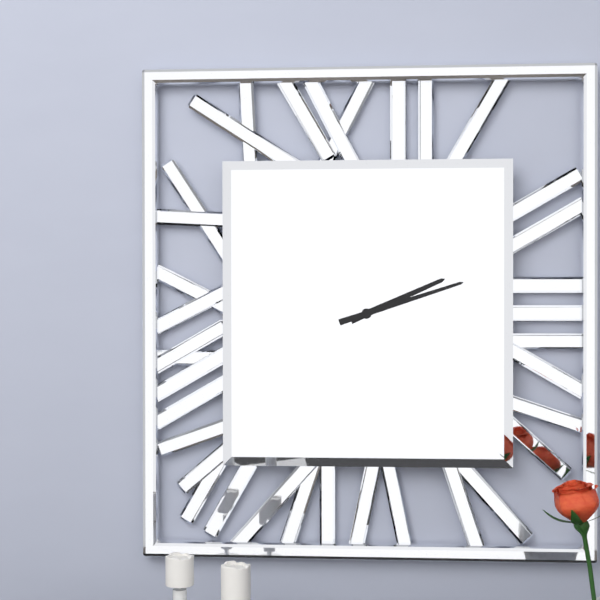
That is 2:12
